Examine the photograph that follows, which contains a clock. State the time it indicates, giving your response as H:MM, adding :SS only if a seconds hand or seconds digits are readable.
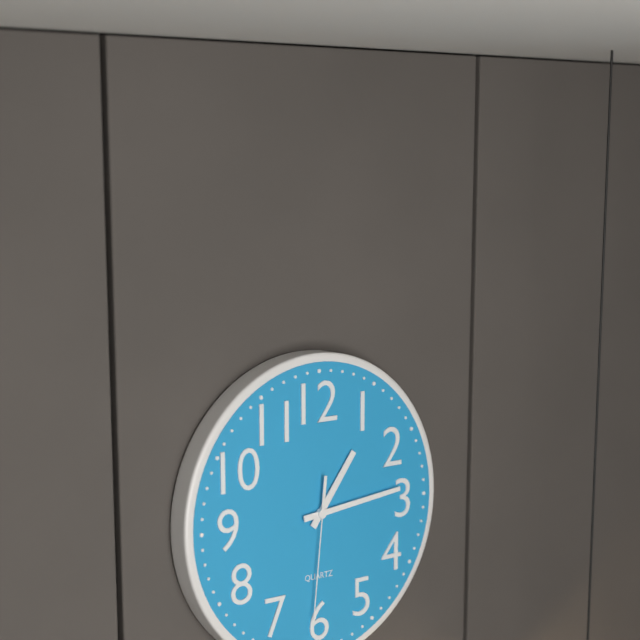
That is 1:14:31
